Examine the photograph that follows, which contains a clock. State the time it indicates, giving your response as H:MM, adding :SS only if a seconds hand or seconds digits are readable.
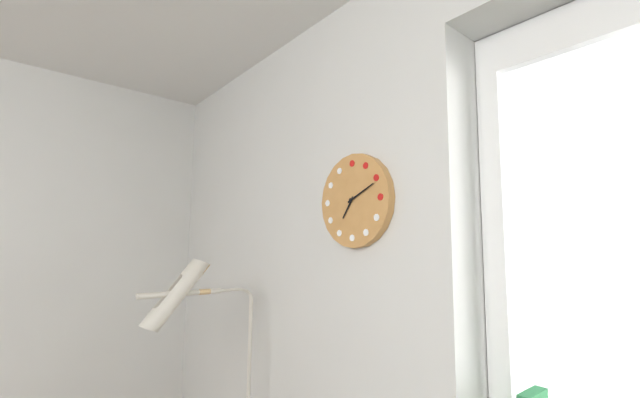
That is 7:11
